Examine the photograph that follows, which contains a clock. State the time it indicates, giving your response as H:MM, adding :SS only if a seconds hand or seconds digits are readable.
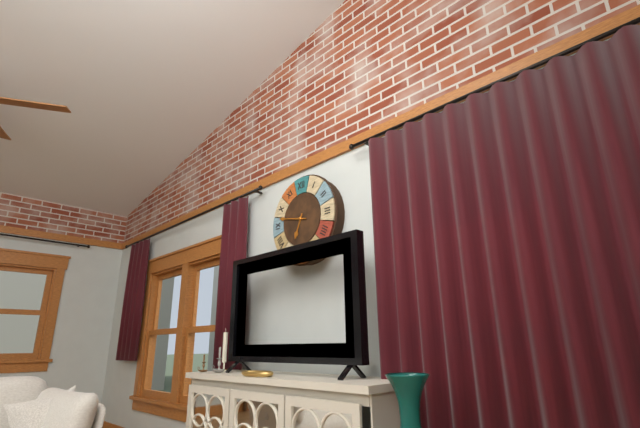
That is 6:47
